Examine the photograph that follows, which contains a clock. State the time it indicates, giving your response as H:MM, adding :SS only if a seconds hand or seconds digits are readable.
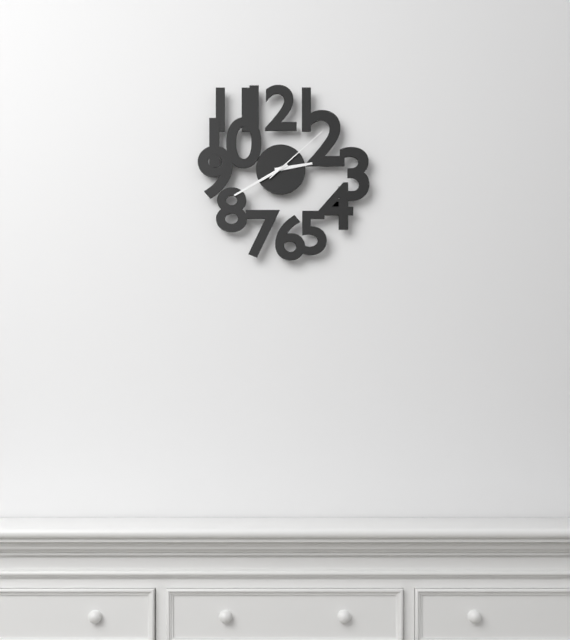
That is 2:40:08
